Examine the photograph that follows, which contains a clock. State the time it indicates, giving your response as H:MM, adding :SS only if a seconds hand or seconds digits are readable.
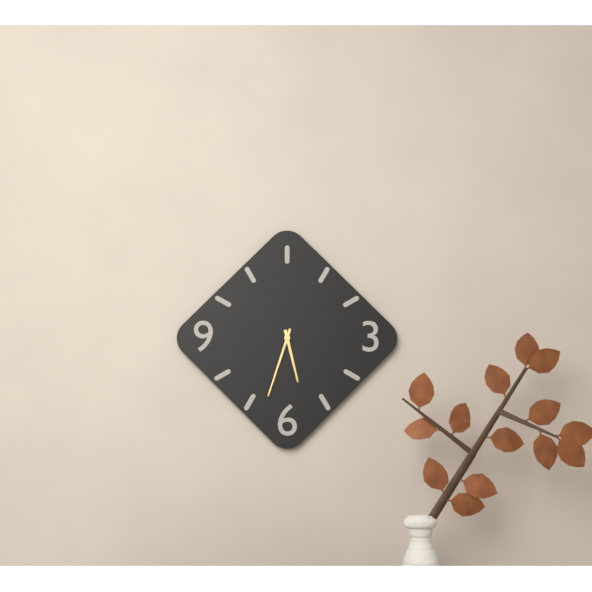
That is 5:33
